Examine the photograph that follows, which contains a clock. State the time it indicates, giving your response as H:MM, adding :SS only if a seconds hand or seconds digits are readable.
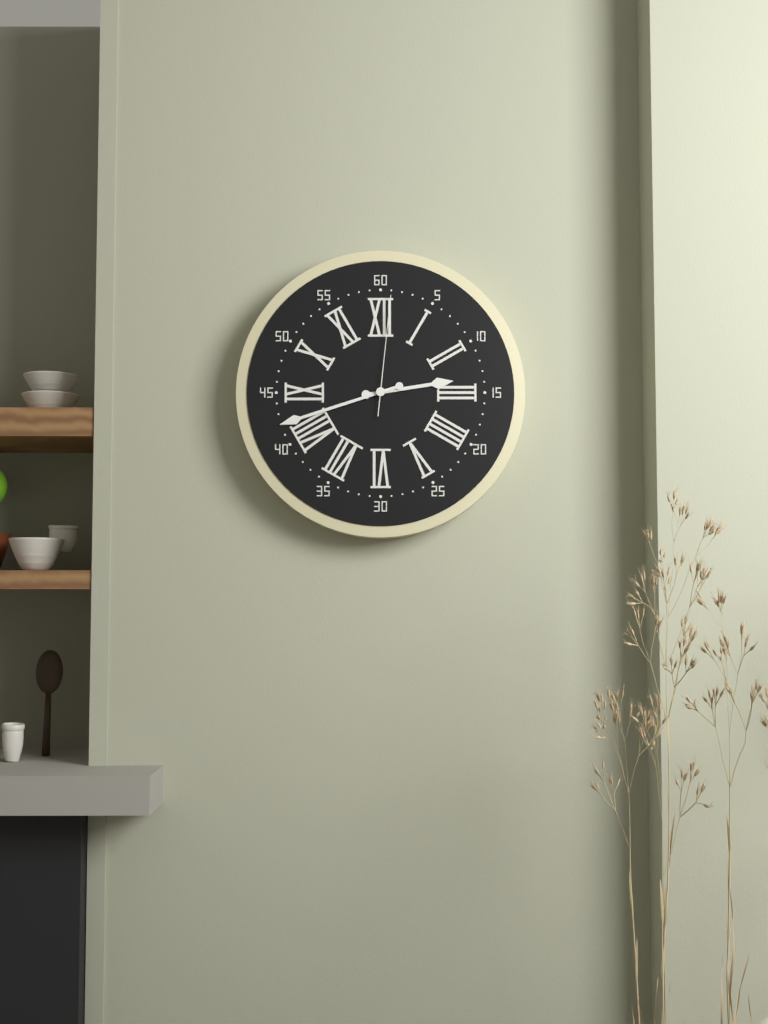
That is 2:42:01
